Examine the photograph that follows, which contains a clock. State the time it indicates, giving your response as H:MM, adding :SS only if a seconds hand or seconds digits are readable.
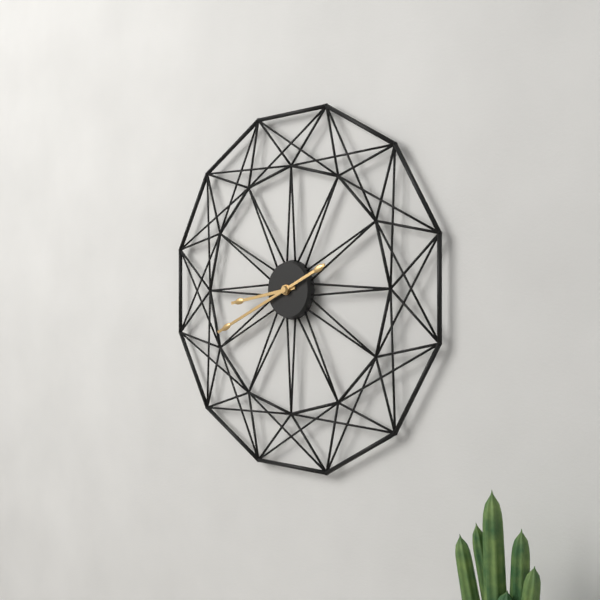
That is 8:41
